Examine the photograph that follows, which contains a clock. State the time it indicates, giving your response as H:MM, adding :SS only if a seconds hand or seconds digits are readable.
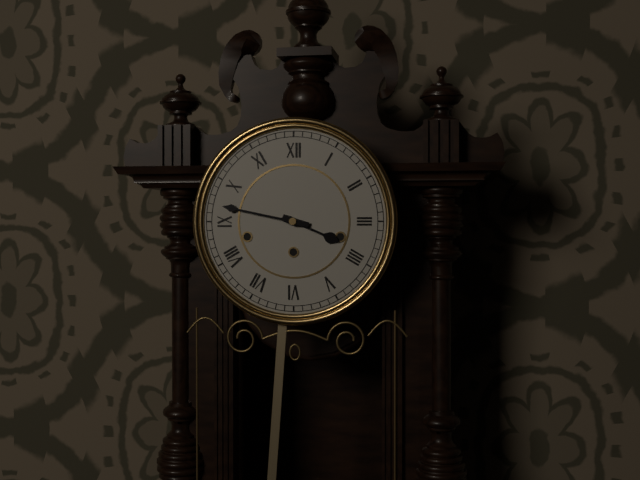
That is 3:47
